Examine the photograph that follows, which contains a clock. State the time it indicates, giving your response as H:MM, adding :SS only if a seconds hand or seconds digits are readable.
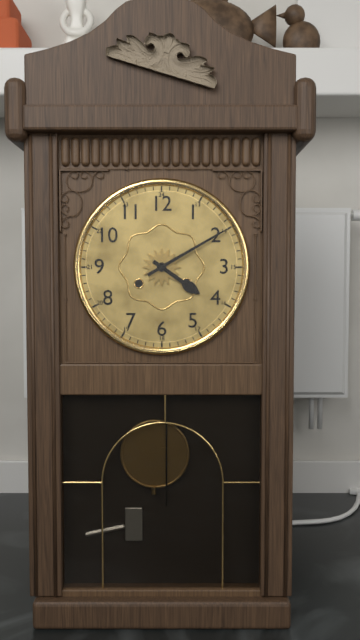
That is 4:10
